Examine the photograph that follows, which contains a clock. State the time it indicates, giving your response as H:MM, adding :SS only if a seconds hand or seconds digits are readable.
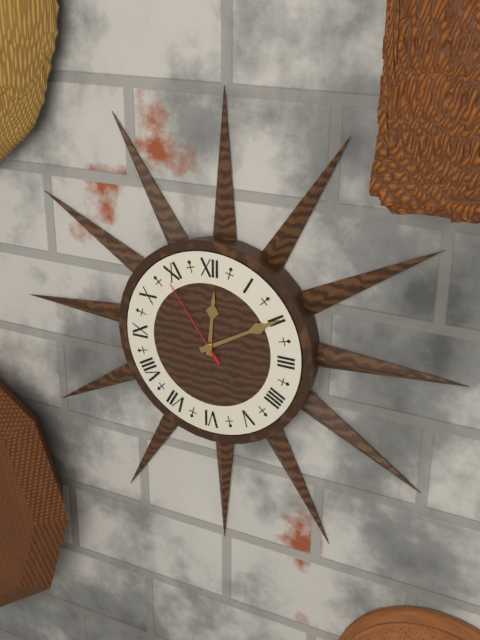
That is 12:10:54
